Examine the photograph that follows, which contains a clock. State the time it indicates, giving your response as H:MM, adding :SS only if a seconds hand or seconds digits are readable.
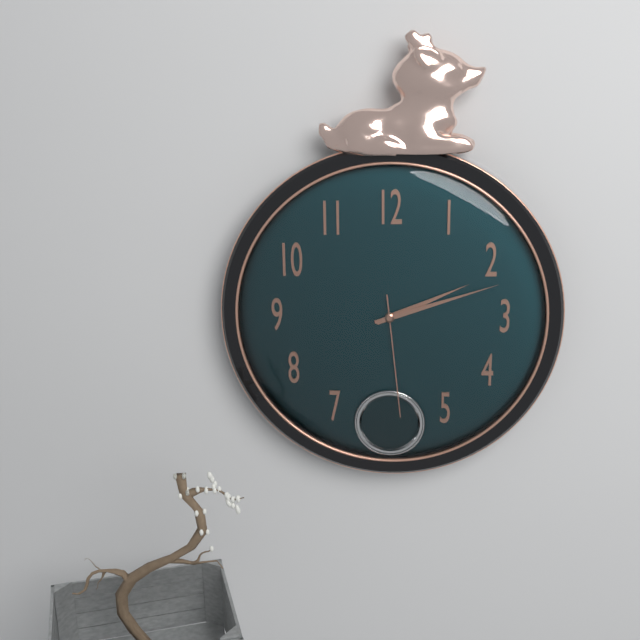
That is 2:12:29
